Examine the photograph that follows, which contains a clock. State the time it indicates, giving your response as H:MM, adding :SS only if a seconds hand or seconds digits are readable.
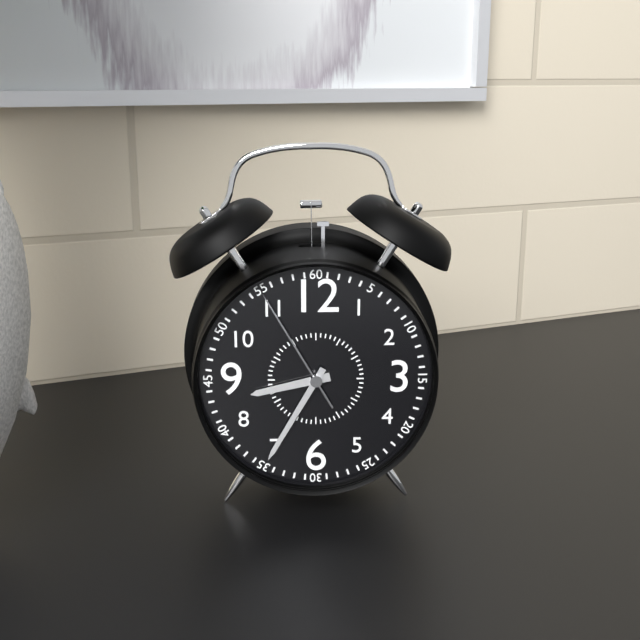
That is 8:35:55
